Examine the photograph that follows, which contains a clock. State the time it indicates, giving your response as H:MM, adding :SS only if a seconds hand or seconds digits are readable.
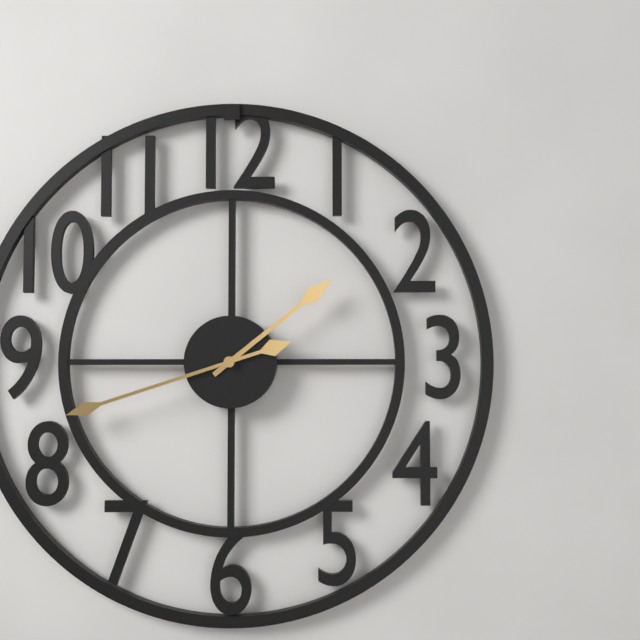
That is 1:42
